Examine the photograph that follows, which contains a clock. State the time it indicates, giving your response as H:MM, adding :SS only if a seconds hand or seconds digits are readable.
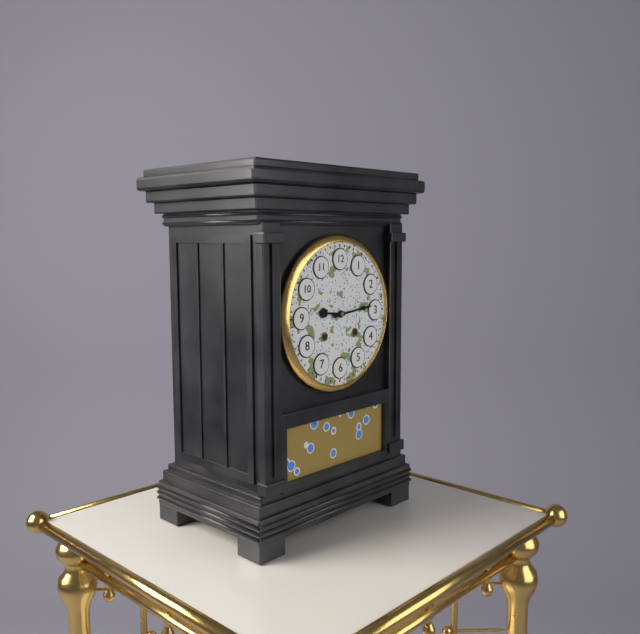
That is 9:14
